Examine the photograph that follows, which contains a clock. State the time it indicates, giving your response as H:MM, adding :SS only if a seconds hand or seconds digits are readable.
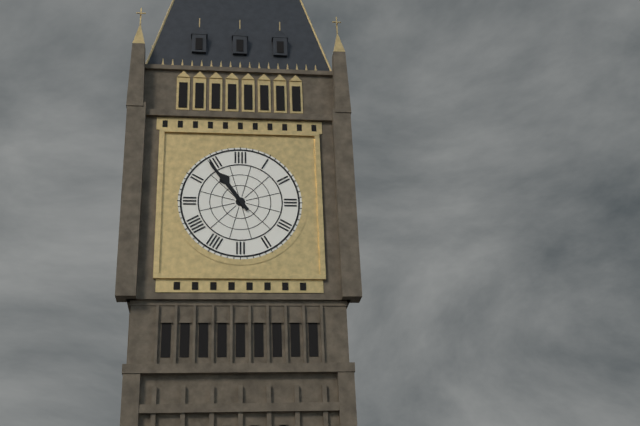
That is 10:54
